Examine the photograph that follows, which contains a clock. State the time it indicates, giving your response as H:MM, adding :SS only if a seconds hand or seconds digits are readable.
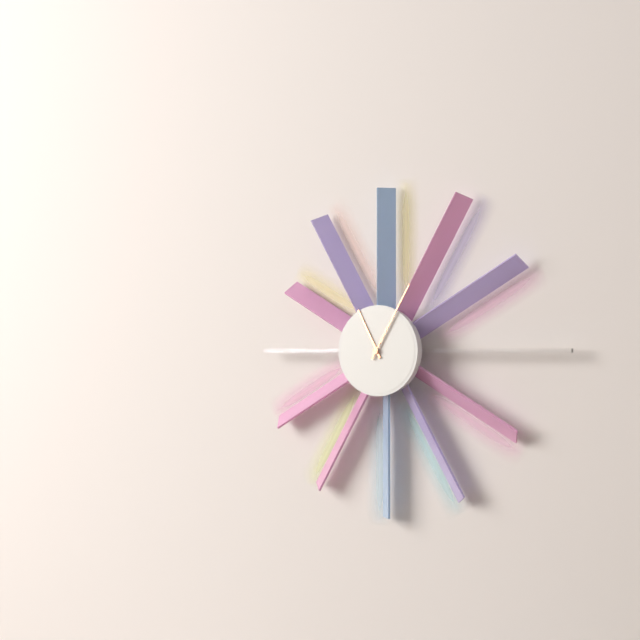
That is 11:05
